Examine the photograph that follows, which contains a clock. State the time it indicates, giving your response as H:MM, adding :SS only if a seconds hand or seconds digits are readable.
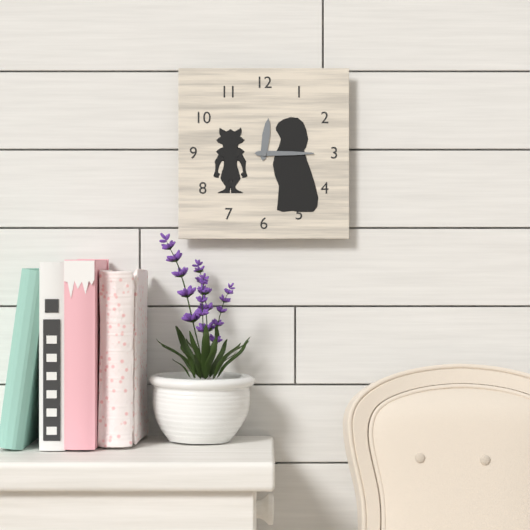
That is 12:15
